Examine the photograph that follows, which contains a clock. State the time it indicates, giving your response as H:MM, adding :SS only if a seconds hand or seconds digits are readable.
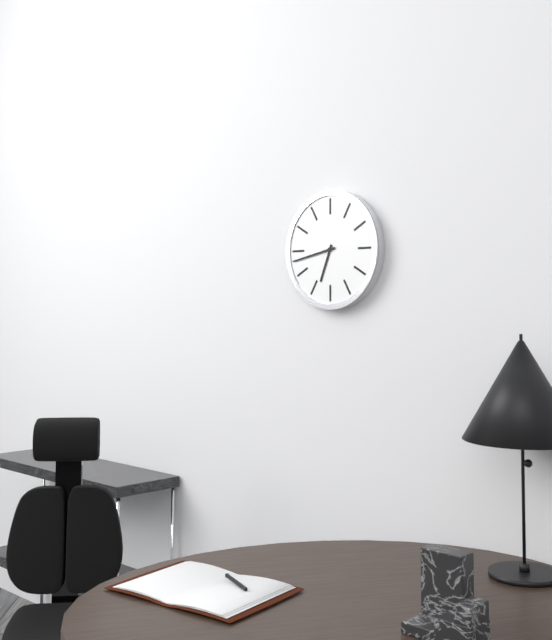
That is 6:43
